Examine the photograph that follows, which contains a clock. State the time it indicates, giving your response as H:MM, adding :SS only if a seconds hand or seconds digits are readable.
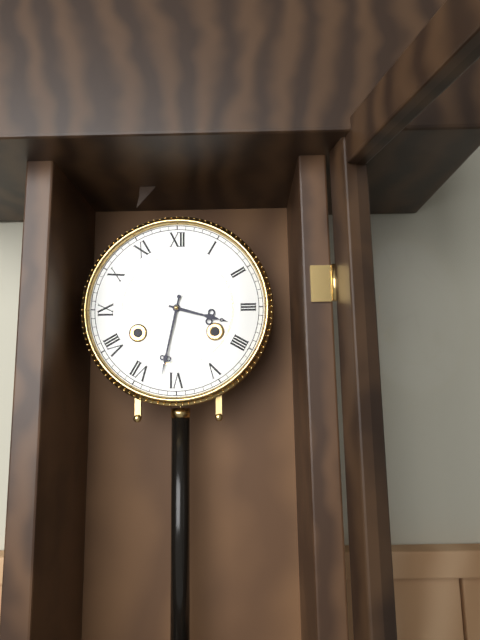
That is 3:32
